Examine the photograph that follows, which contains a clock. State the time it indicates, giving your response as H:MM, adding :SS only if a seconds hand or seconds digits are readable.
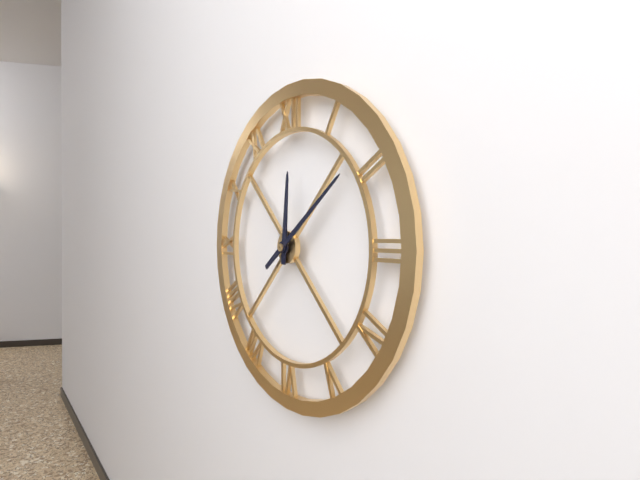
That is 12:09
